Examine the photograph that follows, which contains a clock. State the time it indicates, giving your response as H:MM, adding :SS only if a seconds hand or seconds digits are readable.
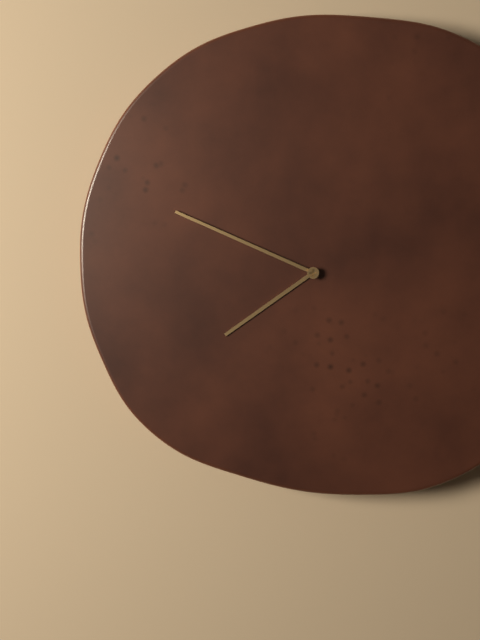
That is 7:49
